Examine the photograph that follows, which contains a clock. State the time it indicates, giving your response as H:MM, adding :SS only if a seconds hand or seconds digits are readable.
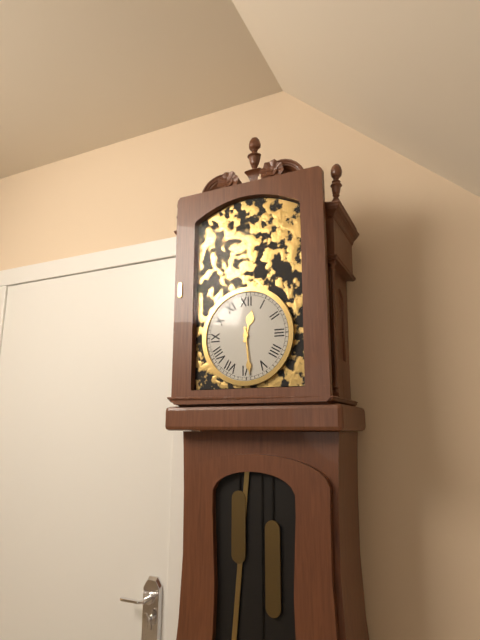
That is 12:29
